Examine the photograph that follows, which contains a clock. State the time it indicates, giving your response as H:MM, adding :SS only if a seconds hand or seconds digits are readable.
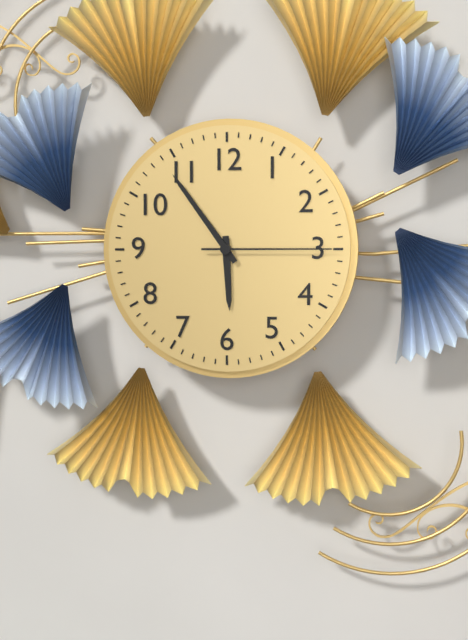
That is 5:54:15
